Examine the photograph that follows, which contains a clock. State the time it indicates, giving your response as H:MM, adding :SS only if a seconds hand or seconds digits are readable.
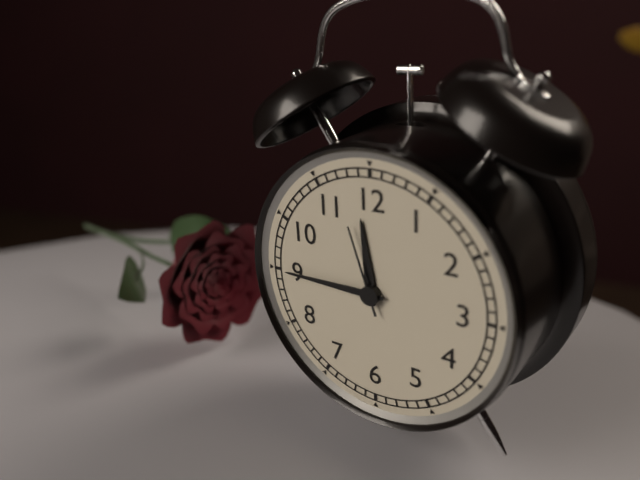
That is 11:45:57
